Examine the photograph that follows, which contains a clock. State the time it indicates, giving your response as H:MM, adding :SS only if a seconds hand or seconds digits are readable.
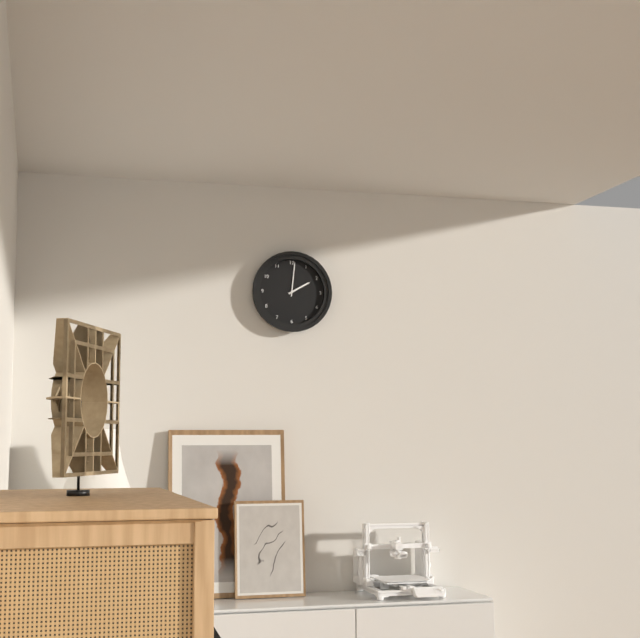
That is 2:01
